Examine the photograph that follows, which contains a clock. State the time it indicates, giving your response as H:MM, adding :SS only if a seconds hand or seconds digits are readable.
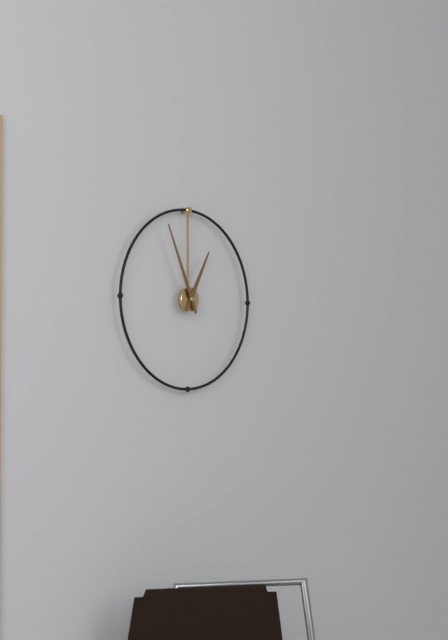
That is 12:56
